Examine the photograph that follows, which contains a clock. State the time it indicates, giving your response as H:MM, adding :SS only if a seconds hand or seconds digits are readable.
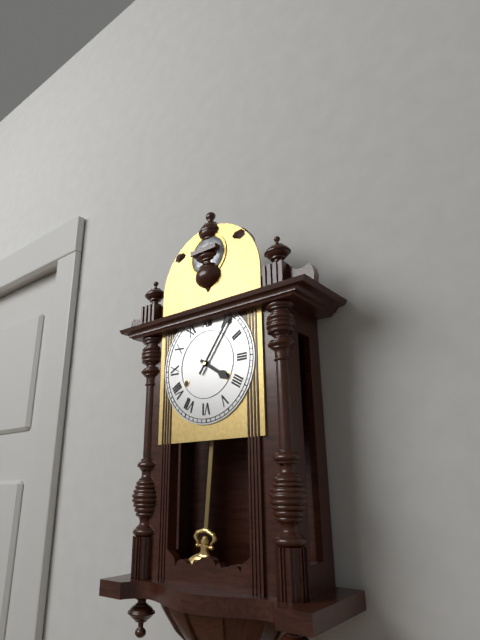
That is 4:06
